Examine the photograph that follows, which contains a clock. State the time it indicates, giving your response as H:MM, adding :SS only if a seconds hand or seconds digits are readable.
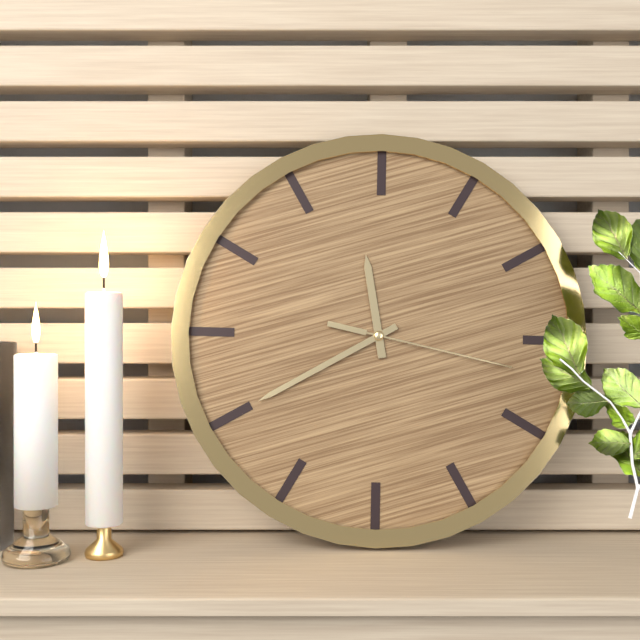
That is 11:40:17
